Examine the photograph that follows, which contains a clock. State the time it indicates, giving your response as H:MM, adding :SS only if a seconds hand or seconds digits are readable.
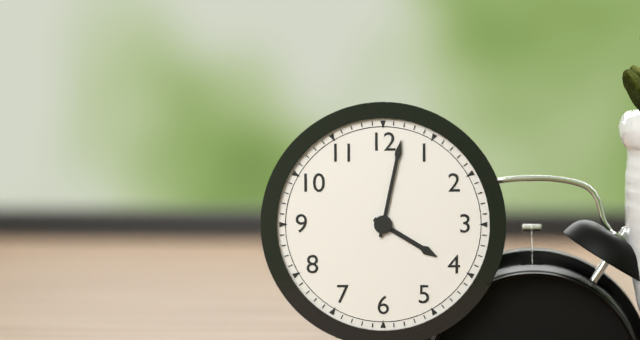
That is 4:02
